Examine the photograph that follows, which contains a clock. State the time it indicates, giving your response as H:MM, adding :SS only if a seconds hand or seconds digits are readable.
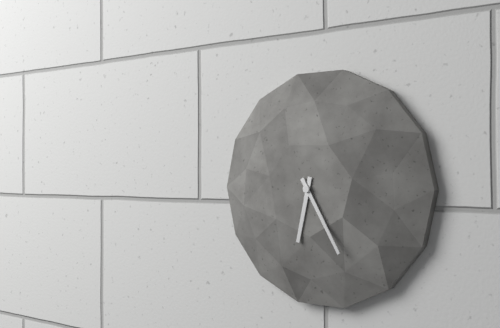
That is 6:25
